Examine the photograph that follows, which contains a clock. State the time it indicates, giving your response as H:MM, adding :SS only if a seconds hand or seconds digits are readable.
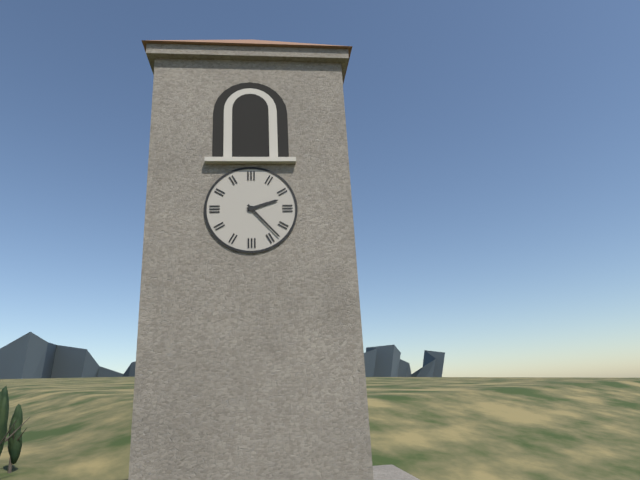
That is 2:23
